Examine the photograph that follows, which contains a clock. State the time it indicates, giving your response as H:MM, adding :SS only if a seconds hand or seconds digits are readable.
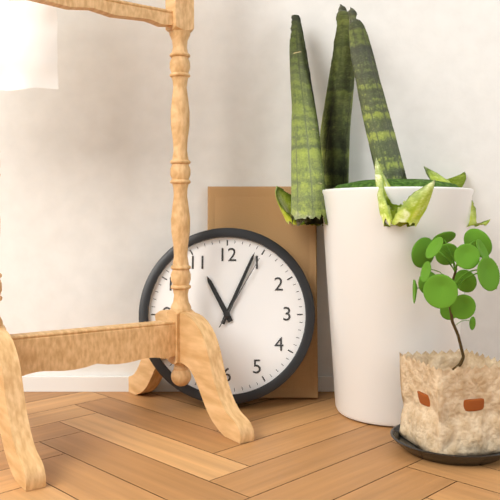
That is 11:04:05
